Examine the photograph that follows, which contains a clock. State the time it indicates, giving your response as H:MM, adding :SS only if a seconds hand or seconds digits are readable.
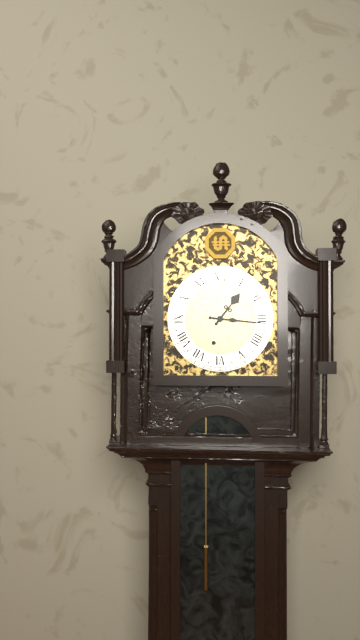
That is 1:16
